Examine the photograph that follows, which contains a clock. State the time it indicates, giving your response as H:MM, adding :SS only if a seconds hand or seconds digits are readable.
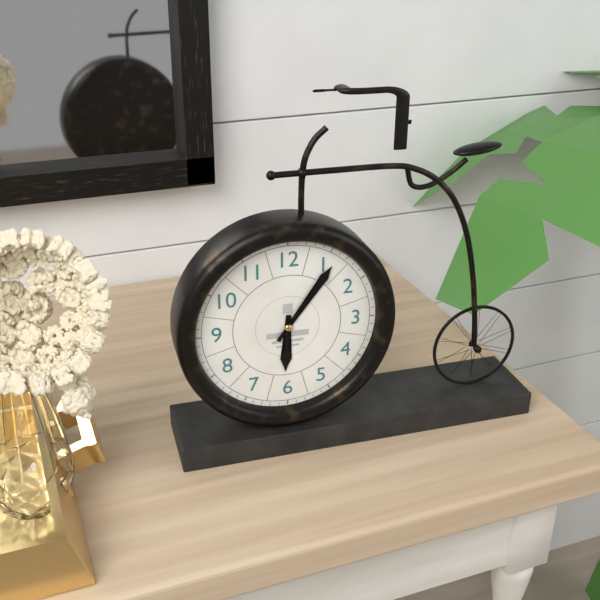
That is 6:06
